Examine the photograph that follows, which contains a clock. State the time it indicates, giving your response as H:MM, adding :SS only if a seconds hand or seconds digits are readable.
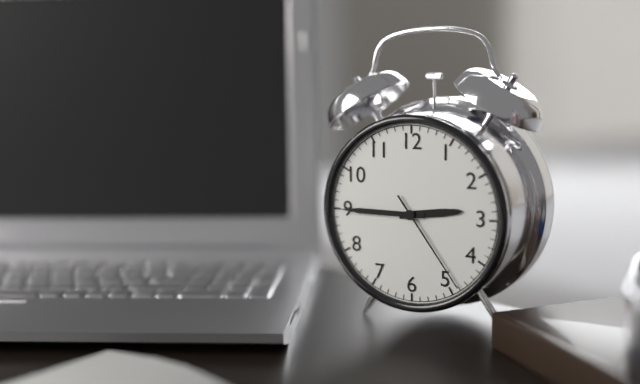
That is 2:45:24
